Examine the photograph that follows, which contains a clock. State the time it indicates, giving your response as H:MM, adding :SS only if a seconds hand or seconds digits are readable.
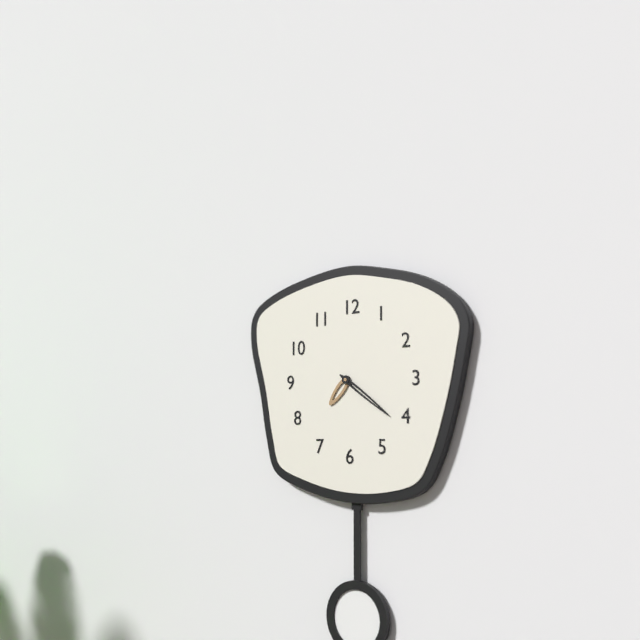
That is 7:21
